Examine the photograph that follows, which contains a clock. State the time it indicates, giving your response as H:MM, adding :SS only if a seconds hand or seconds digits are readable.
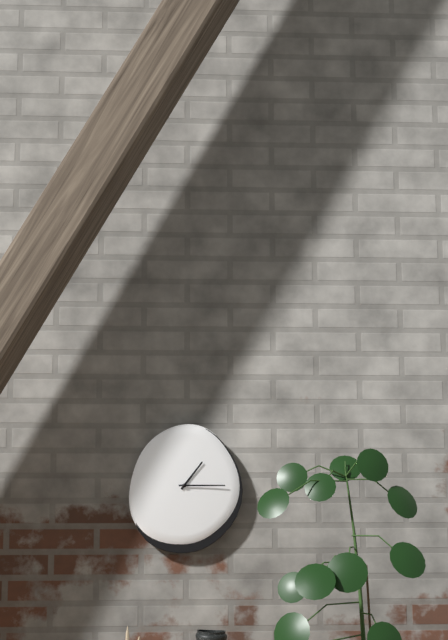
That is 1:15
